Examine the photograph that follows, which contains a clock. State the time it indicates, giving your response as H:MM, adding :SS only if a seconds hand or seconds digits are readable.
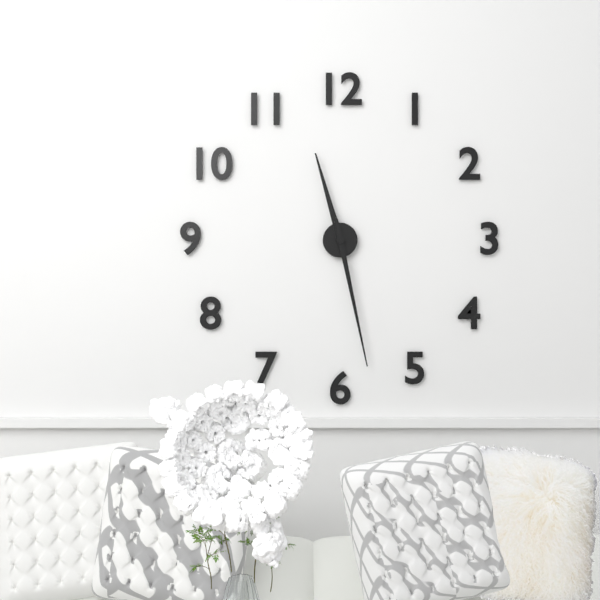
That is 11:28
